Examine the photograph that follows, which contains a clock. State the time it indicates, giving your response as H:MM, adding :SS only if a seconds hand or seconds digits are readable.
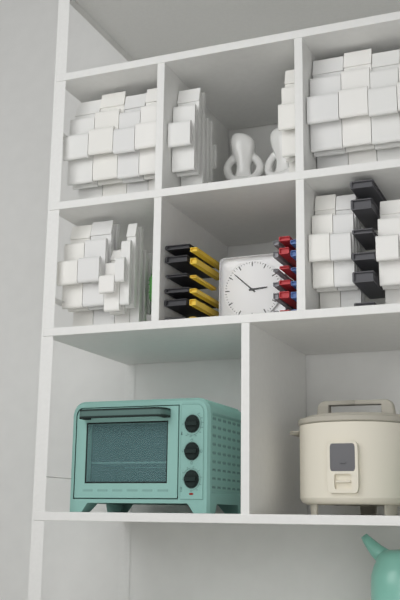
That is 2:52
